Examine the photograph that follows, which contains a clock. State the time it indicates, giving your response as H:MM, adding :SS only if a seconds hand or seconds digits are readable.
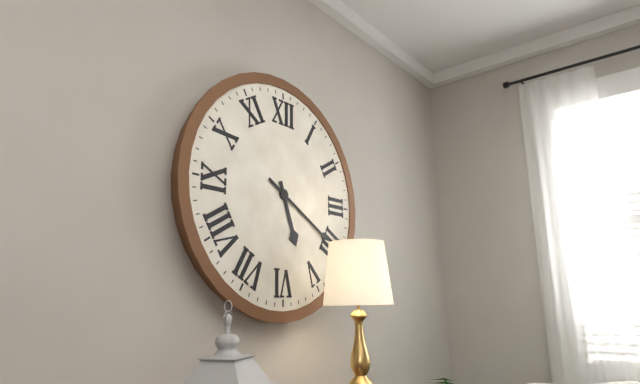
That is 5:20
